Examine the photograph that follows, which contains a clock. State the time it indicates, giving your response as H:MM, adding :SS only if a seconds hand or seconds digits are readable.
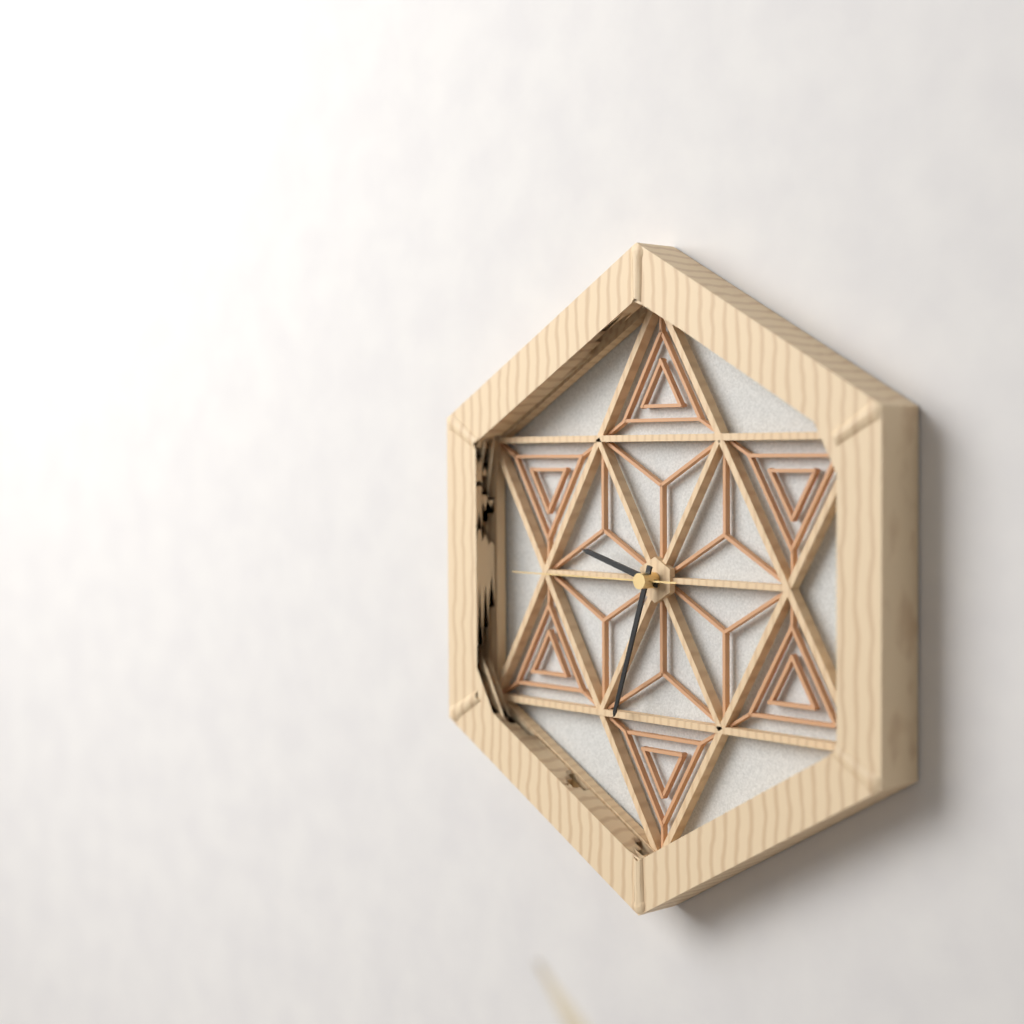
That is 9:33:45
